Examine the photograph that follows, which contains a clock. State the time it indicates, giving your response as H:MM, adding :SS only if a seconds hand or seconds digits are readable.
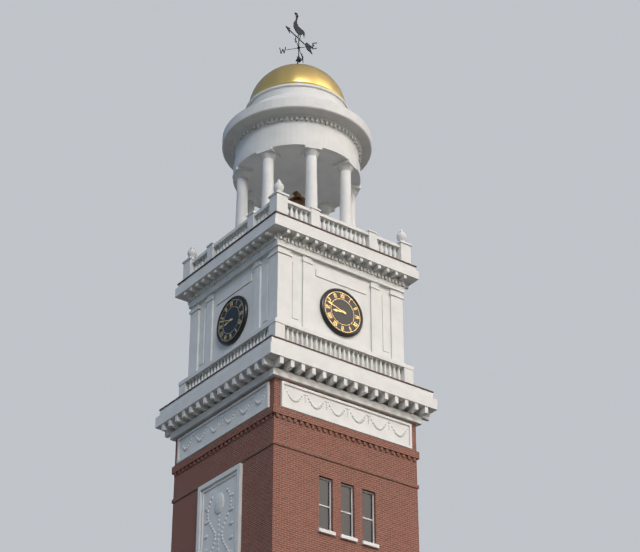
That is 8:48
